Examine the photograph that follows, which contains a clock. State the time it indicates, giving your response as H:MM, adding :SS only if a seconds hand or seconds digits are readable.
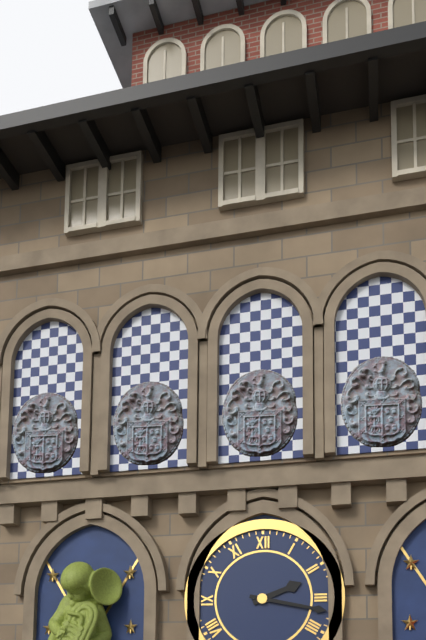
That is 2:17
